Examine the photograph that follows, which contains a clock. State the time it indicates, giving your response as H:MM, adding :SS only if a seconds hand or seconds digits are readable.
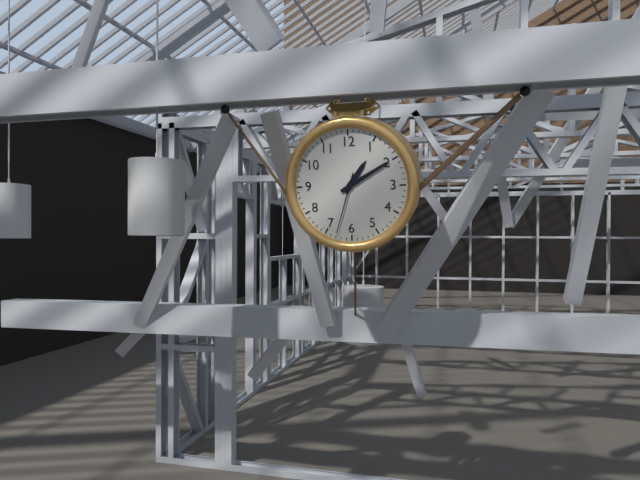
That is 1:10:33
